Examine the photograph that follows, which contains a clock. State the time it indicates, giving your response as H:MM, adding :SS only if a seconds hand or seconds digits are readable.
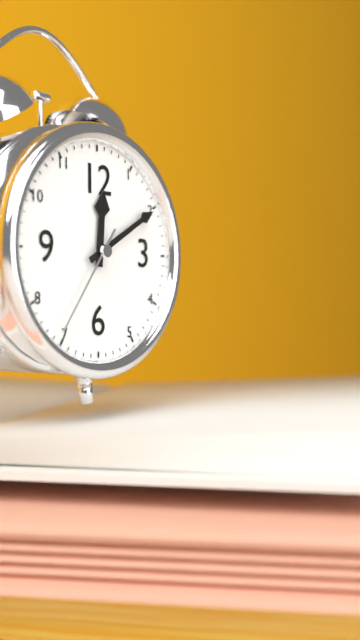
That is 12:10:36
